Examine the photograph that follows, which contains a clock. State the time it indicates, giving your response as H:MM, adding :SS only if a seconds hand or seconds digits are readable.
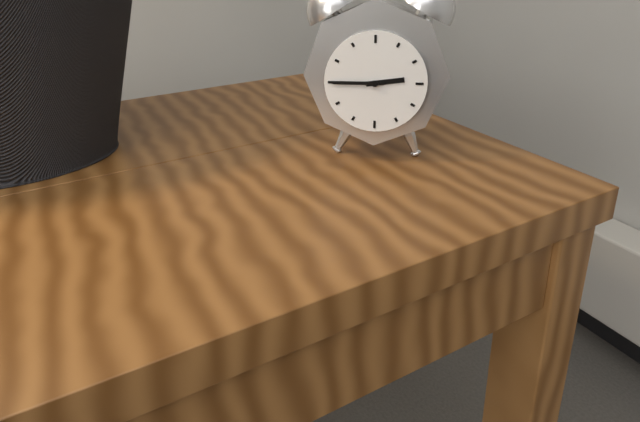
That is 2:45
